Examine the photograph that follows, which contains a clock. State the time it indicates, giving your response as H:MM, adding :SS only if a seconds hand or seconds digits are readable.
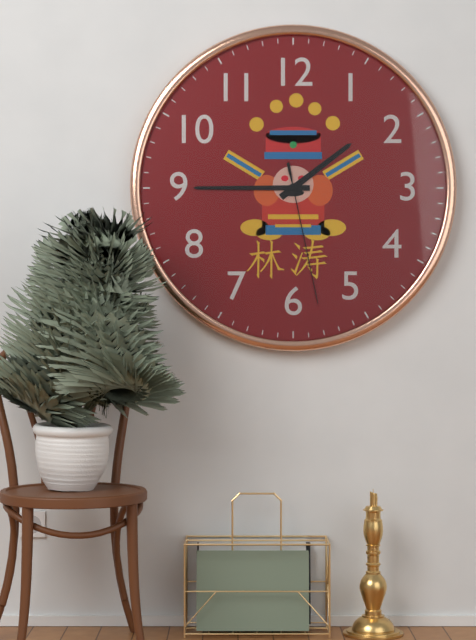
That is 1:45:28
